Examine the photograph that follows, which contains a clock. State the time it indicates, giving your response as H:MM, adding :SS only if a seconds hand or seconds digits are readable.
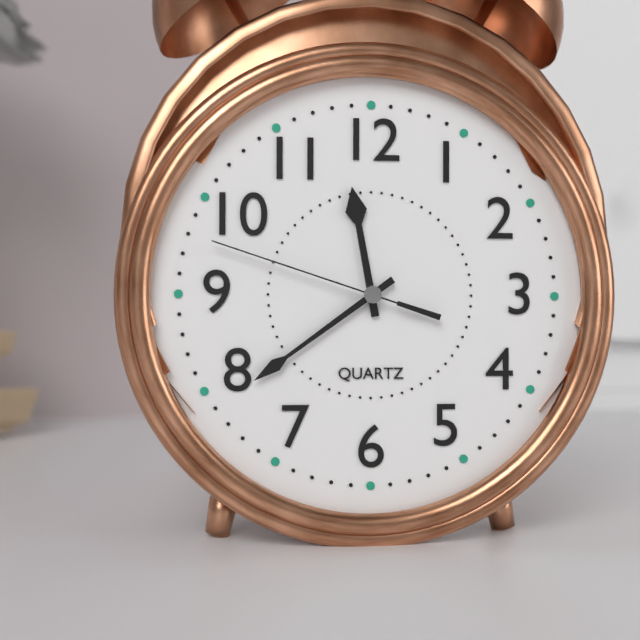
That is 11:39:48
